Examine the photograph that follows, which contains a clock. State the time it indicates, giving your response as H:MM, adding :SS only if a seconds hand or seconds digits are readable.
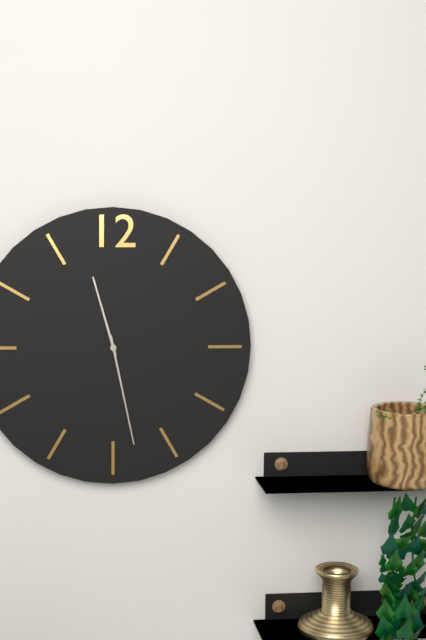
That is 11:28
